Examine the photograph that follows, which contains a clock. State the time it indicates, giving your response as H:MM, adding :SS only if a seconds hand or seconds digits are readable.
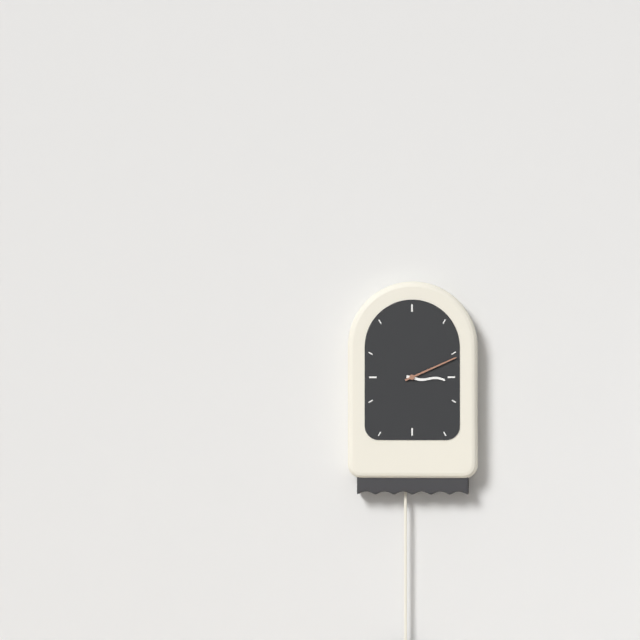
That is 3:11
